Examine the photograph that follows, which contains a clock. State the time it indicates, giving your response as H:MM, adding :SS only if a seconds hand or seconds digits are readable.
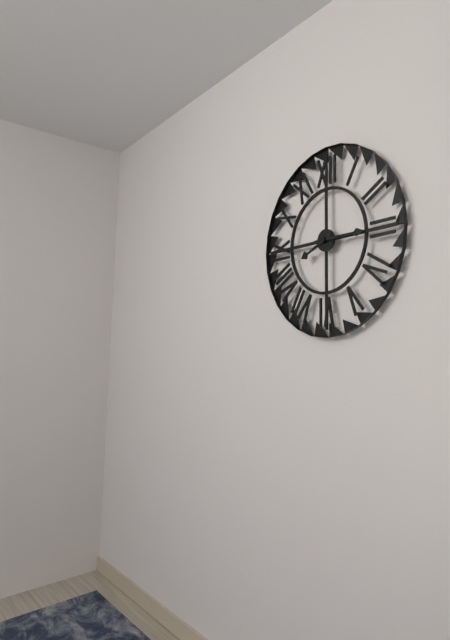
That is 8:15
